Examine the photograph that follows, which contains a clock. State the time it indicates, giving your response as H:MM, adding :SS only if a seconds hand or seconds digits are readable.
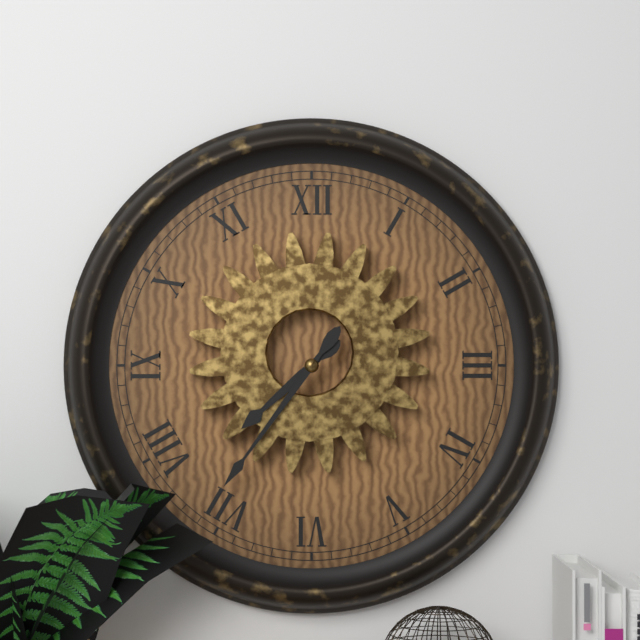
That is 7:36
